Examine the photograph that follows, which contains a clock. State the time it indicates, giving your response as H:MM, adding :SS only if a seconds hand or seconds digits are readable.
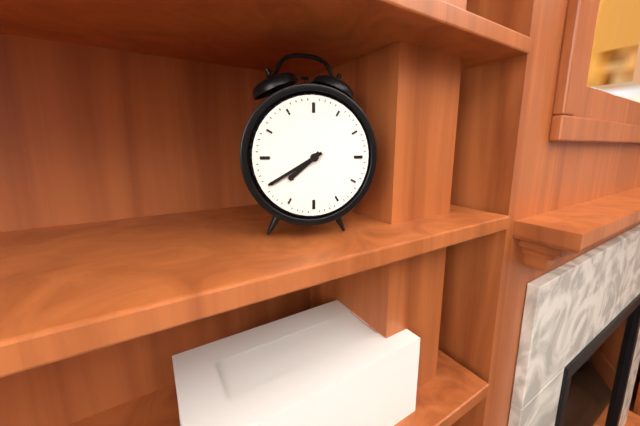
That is 7:40
